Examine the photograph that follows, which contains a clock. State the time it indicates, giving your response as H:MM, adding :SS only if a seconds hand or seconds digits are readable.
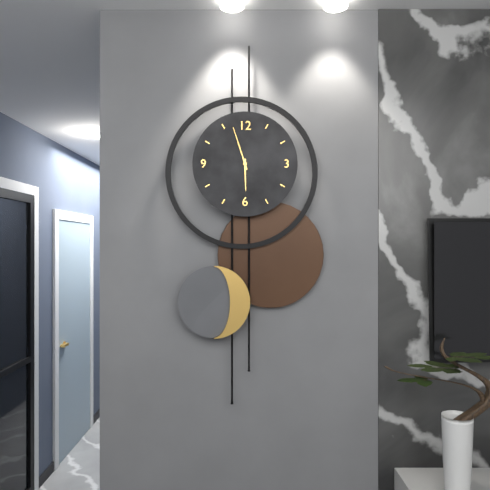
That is 5:57
